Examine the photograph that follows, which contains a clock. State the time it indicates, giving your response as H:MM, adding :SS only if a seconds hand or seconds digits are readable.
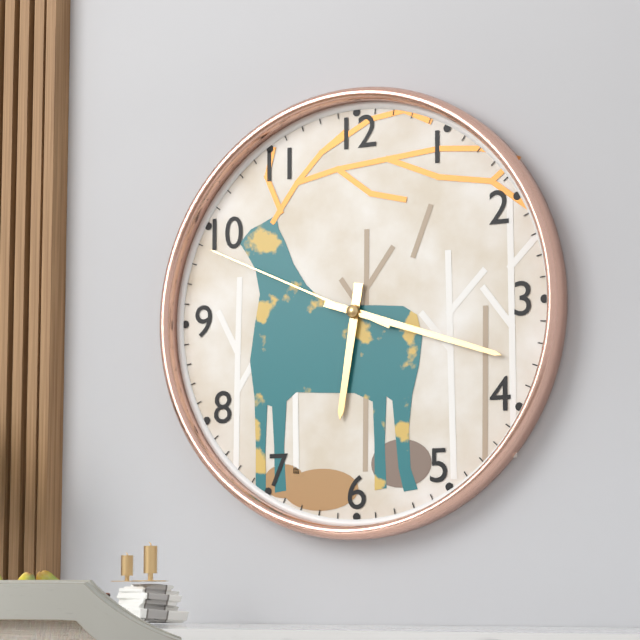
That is 6:18:49
